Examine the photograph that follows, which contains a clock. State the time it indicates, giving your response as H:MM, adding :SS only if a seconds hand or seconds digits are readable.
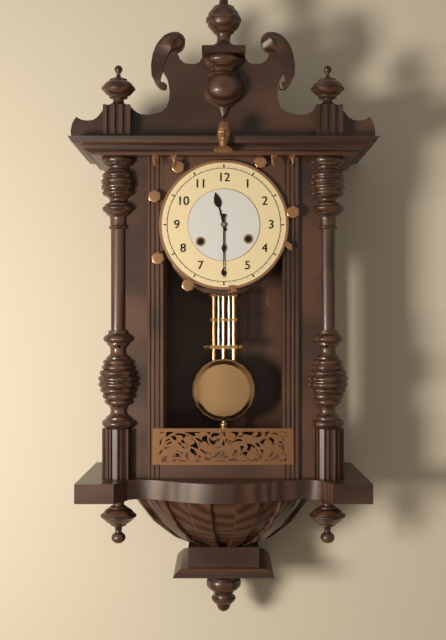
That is 11:30
